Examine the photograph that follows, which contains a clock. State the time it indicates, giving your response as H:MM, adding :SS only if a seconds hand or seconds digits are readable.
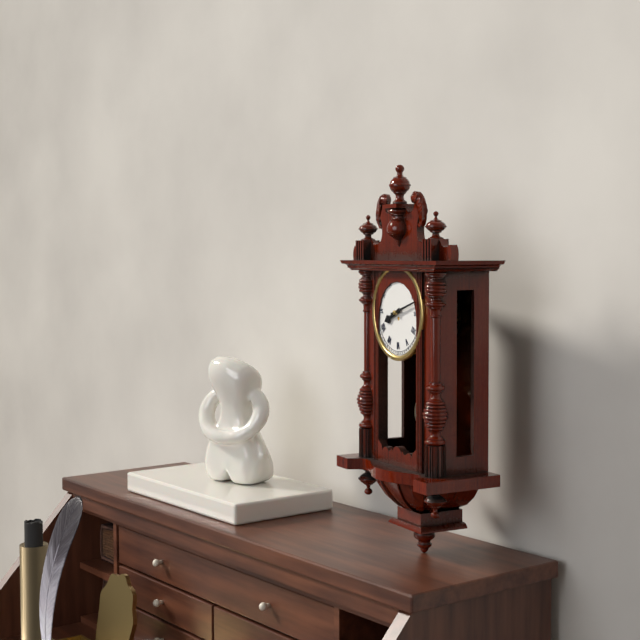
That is 8:12
